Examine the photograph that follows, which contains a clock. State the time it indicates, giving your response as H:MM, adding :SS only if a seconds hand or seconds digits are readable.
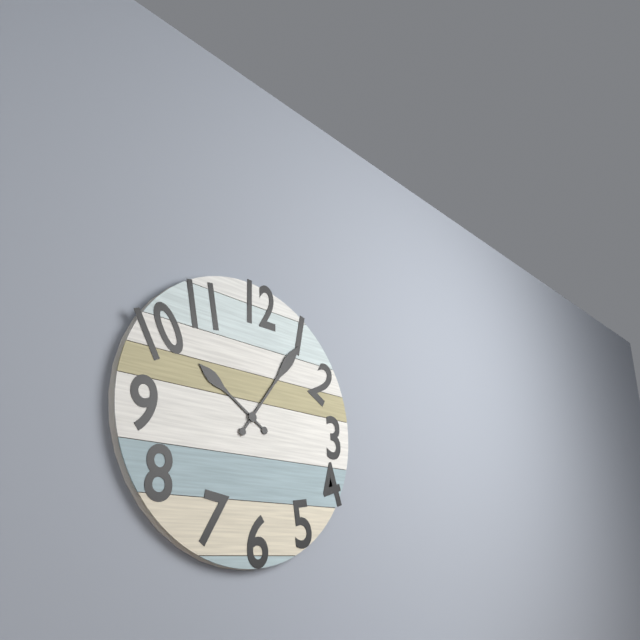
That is 10:06
